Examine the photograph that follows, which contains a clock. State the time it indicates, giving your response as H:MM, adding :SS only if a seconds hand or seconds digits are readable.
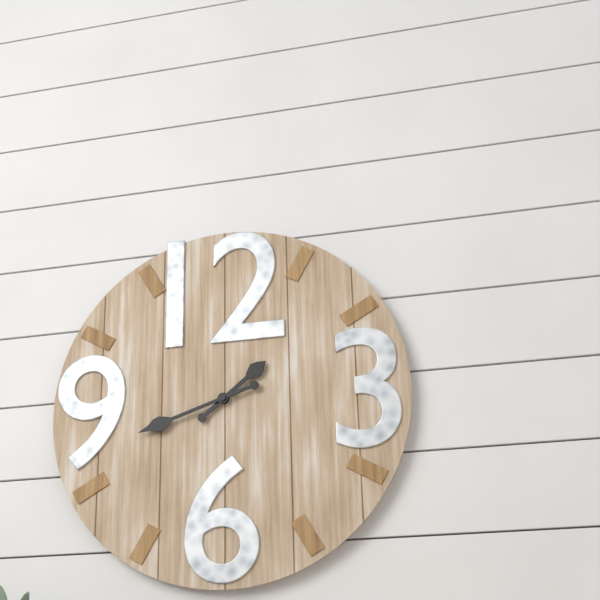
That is 1:42
